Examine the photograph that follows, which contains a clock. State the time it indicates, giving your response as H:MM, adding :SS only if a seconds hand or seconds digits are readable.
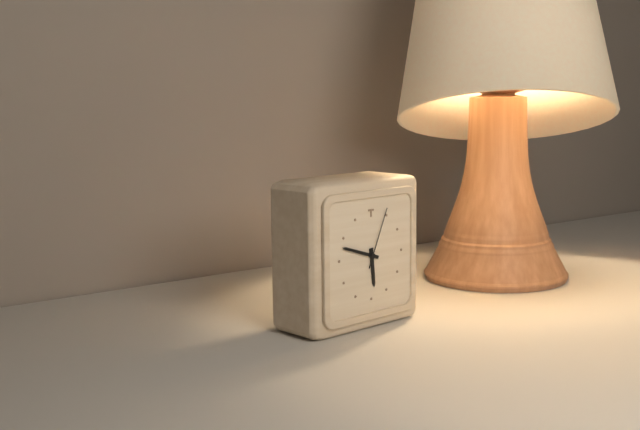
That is 5:48:04
